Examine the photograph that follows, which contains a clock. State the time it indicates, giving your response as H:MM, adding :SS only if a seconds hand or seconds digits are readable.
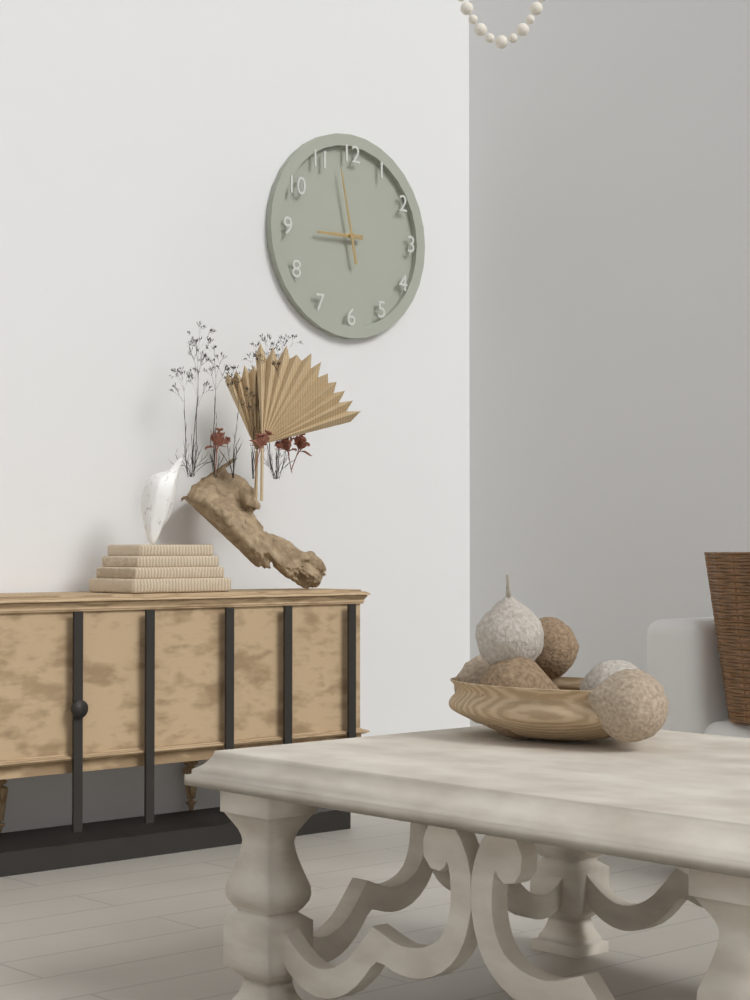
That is 8:58
